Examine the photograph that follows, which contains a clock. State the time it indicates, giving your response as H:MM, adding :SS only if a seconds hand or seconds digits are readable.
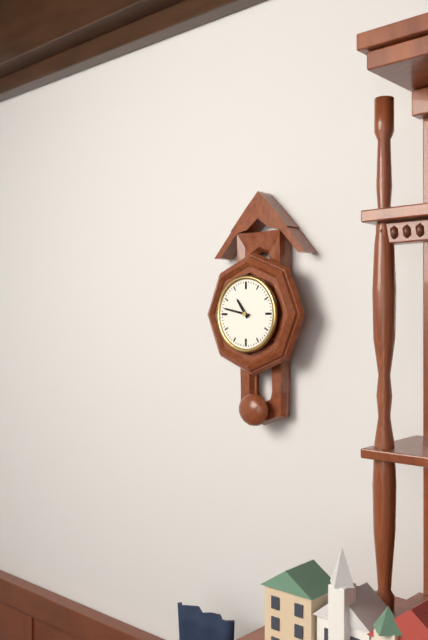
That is 10:47
